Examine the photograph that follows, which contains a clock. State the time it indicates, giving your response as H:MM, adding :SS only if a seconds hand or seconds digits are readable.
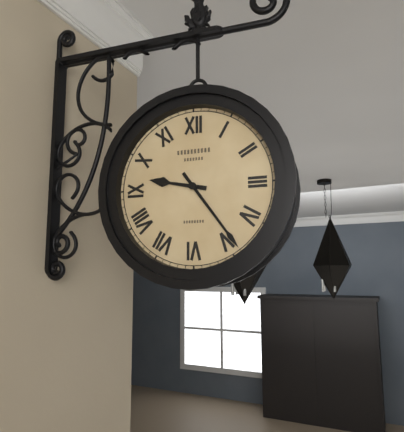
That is 9:24
